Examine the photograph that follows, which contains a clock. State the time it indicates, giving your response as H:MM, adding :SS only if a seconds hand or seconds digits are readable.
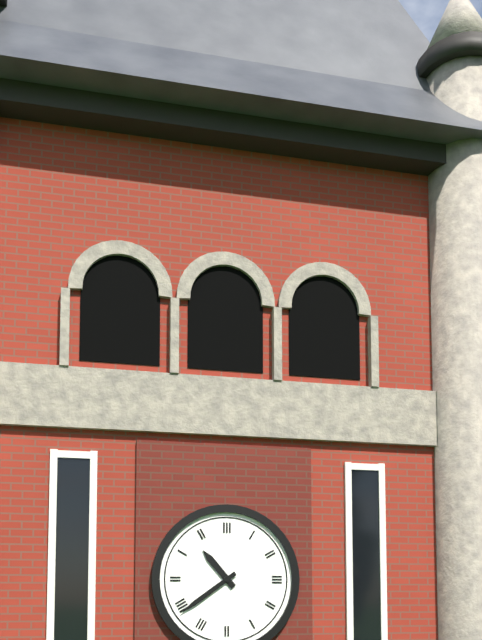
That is 10:39
